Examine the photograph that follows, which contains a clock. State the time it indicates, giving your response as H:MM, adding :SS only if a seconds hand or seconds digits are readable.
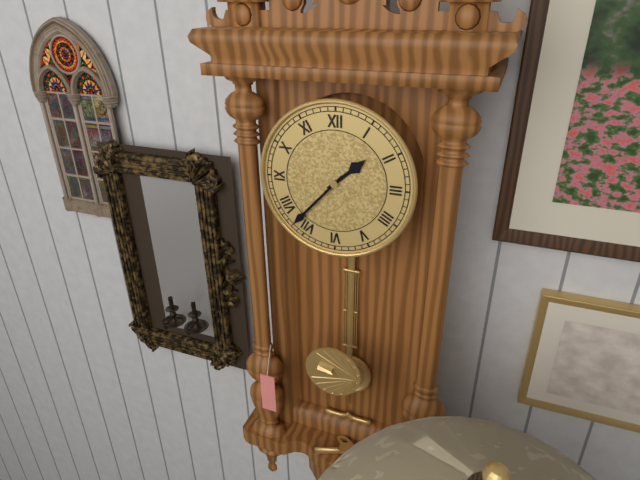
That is 1:37
